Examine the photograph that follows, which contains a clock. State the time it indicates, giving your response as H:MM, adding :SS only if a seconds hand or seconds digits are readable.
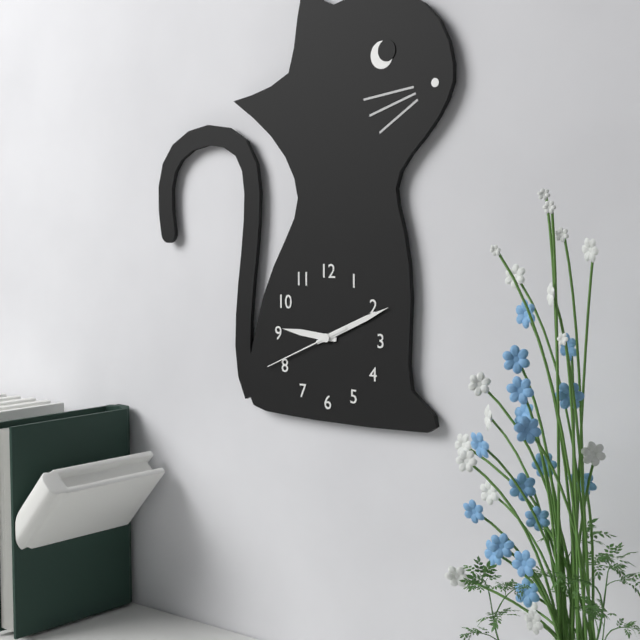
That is 9:11:41
